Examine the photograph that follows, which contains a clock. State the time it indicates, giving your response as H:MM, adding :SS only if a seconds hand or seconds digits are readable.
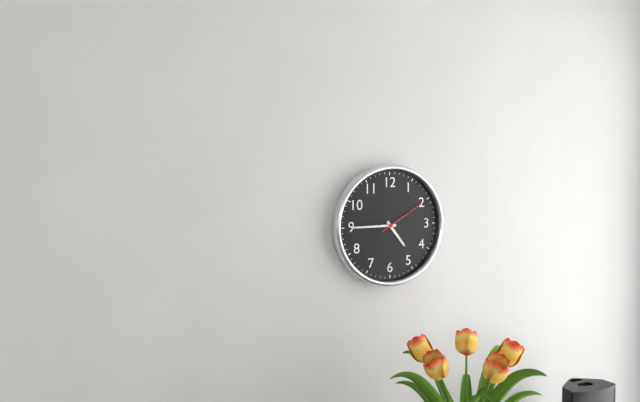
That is 4:45:10
